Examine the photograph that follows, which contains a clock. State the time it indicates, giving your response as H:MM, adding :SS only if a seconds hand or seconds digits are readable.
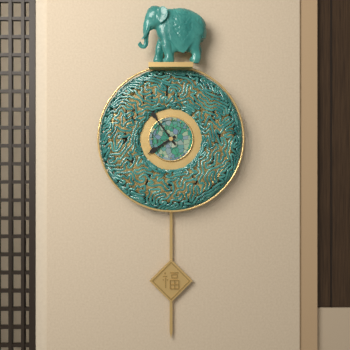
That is 7:54
